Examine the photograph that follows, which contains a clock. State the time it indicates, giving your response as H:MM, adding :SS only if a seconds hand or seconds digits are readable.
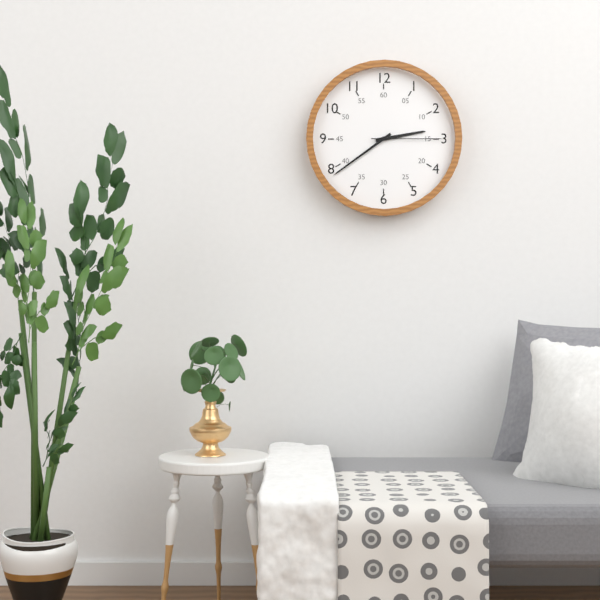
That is 2:39:15
